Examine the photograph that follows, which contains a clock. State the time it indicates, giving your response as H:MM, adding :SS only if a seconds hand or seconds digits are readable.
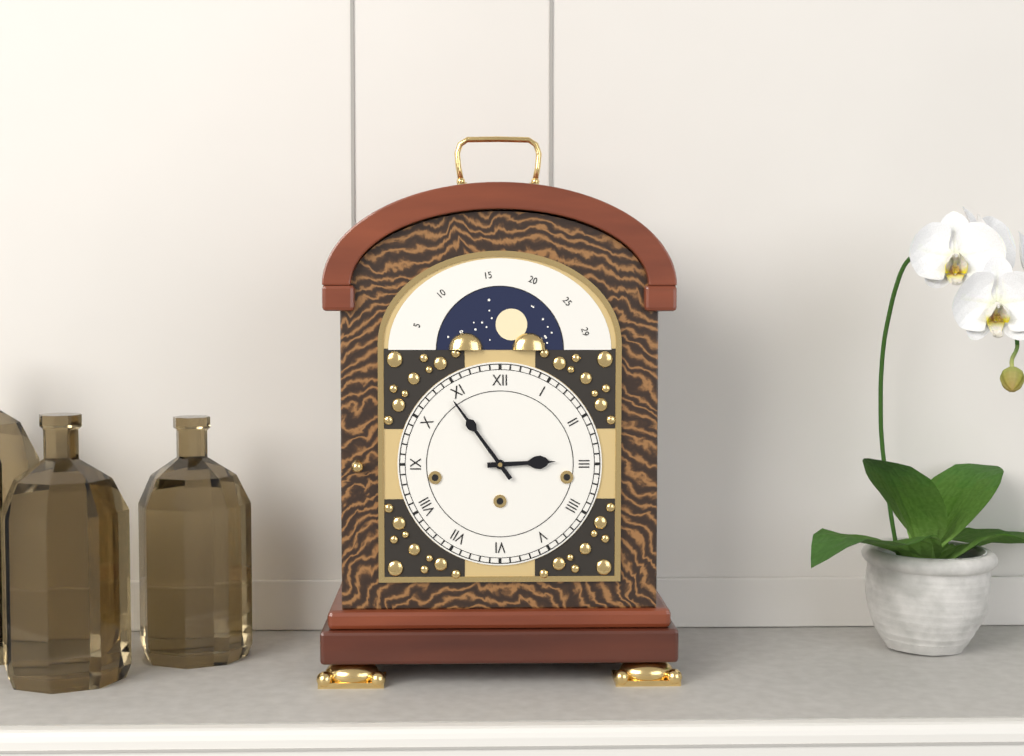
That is 2:54
